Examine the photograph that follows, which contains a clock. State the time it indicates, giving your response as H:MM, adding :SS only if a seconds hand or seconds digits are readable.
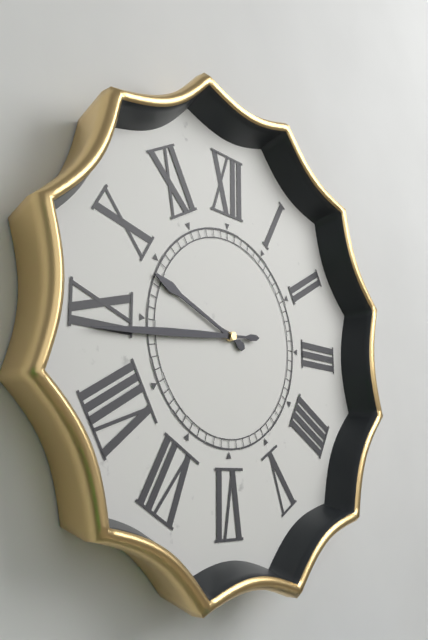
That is 9:44
